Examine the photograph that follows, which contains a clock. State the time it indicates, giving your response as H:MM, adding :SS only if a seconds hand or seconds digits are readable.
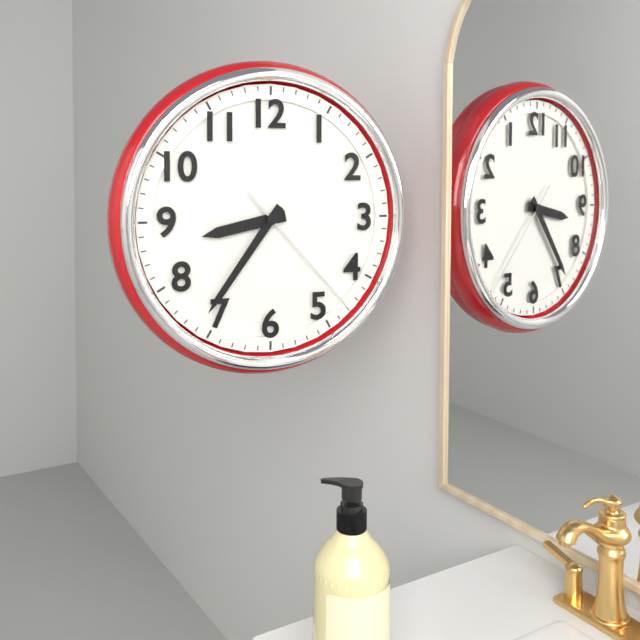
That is 8:36:23
